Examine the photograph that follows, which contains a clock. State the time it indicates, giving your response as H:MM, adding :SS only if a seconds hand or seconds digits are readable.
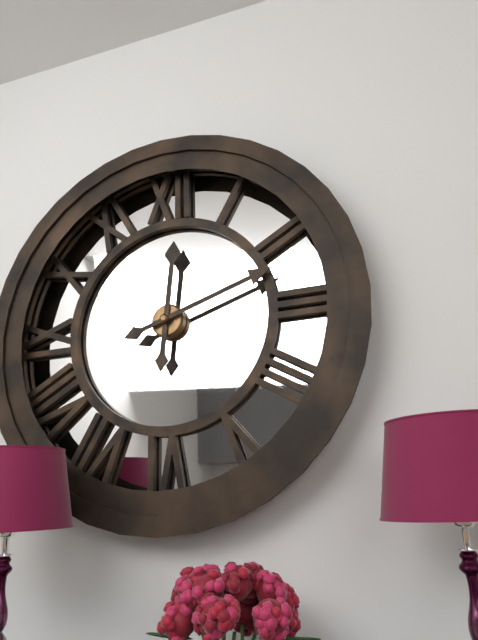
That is 12:12
